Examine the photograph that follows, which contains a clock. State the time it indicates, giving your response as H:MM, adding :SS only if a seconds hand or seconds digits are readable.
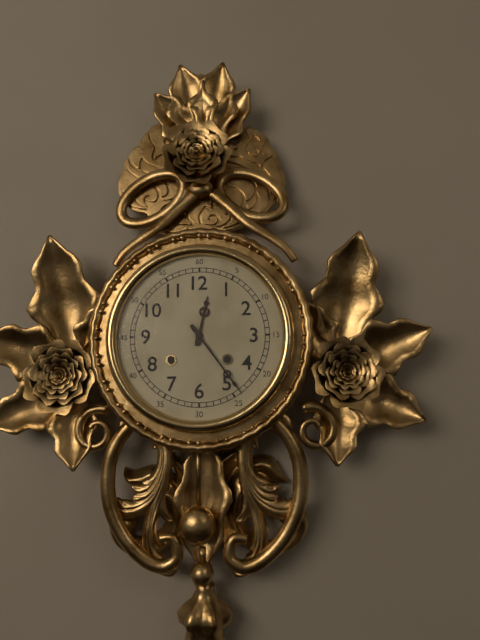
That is 12:24
